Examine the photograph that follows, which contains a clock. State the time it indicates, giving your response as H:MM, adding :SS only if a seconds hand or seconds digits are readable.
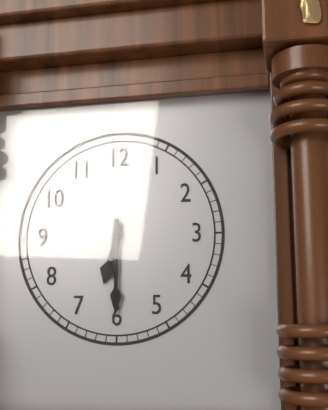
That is 6:30
